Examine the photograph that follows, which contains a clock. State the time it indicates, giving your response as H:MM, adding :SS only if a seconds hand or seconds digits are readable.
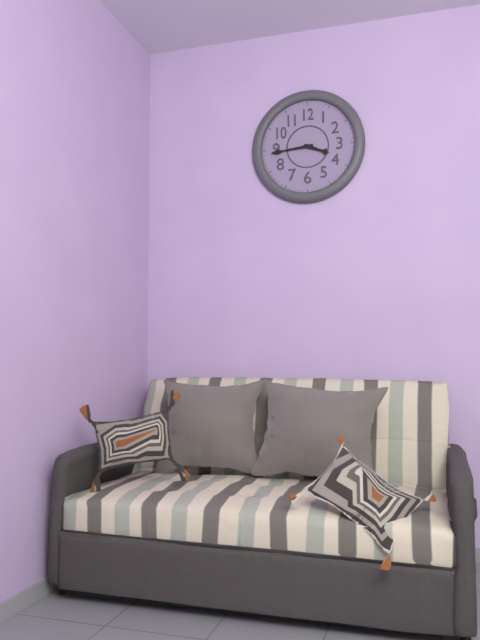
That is 3:44
